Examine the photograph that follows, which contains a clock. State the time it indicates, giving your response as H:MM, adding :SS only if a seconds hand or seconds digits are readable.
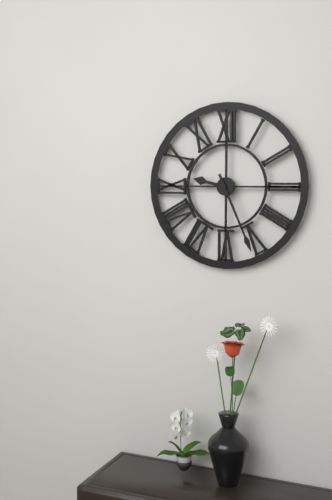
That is 9:26
